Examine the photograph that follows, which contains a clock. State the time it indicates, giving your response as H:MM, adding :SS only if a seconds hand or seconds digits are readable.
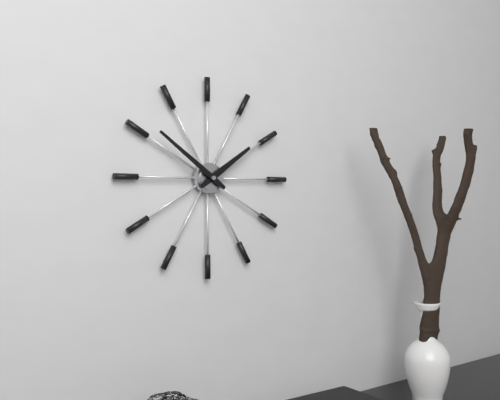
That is 1:51
